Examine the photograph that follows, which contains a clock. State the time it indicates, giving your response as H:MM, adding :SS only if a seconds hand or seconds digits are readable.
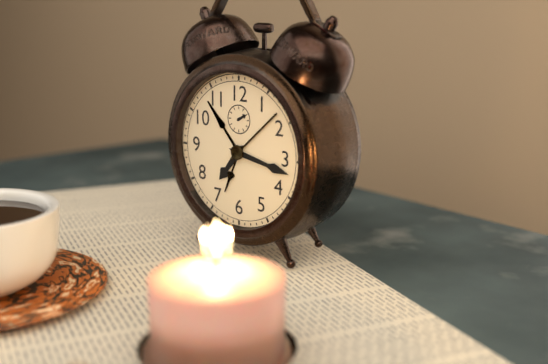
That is 7:17
